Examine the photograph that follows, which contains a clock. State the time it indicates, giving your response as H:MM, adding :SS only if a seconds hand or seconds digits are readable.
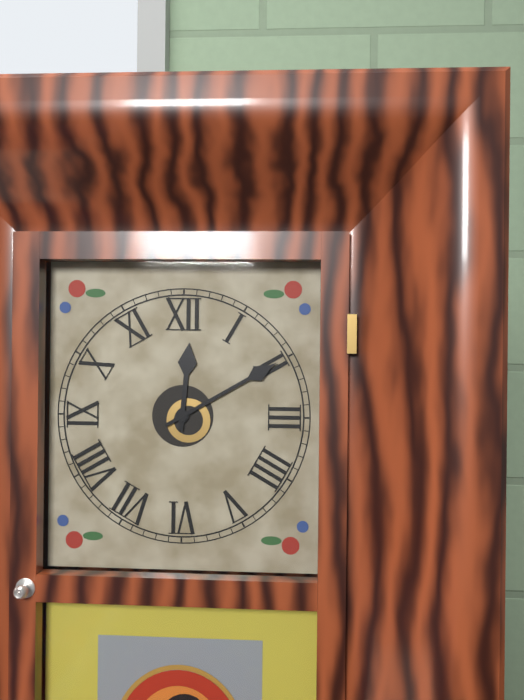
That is 12:10
